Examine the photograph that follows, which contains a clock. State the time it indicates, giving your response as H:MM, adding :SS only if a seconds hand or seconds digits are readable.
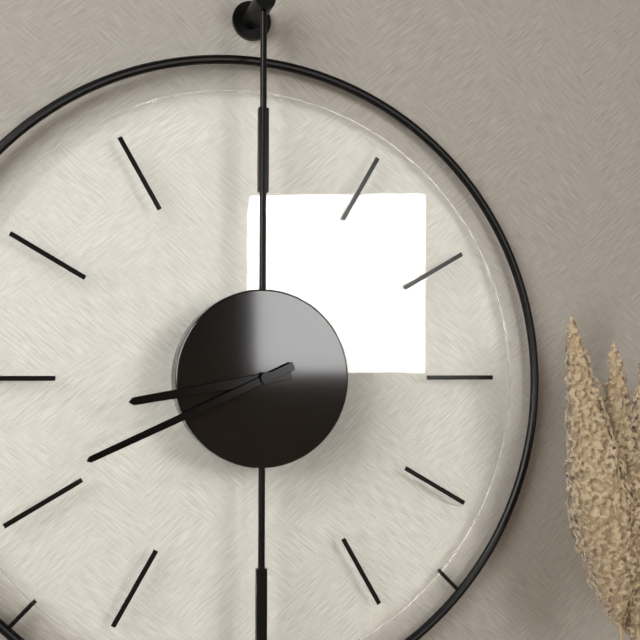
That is 8:41
